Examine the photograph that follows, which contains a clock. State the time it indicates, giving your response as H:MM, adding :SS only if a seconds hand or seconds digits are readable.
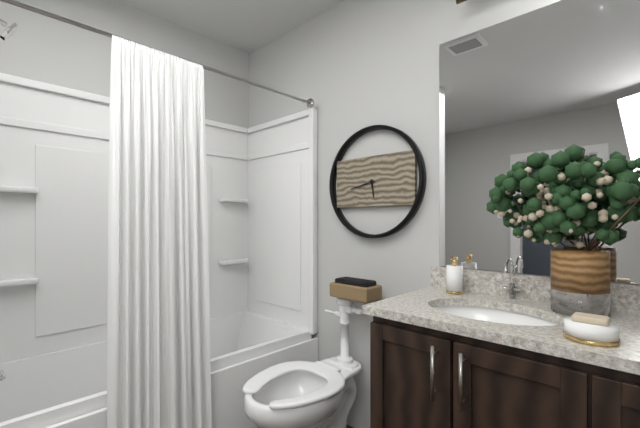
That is 5:43
